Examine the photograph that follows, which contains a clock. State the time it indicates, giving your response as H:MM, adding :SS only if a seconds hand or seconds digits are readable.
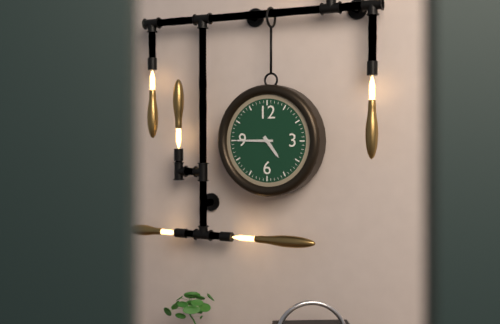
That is 4:45
